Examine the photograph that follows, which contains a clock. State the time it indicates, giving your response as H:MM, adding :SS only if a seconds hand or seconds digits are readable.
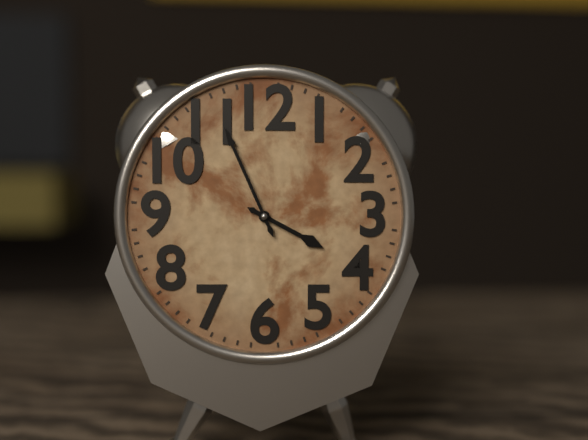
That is 3:56
